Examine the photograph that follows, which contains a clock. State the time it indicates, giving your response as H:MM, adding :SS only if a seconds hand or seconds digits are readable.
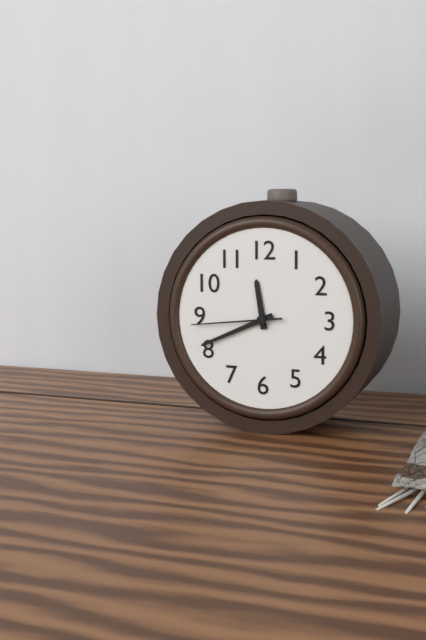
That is 11:41:44
